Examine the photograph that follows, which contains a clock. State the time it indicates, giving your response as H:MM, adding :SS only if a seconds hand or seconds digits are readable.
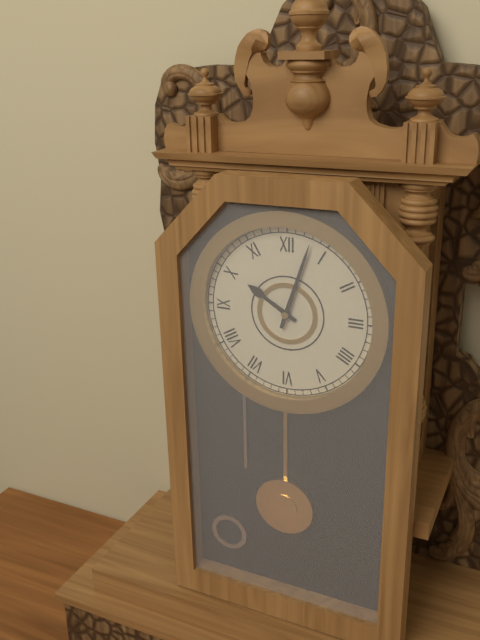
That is 10:03
